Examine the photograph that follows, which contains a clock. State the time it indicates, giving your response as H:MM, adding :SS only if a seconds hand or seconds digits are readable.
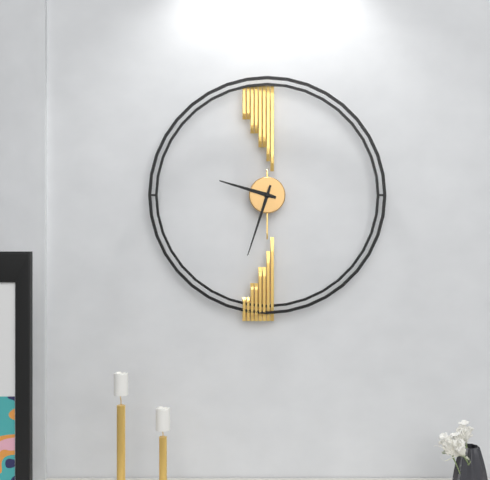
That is 9:33
